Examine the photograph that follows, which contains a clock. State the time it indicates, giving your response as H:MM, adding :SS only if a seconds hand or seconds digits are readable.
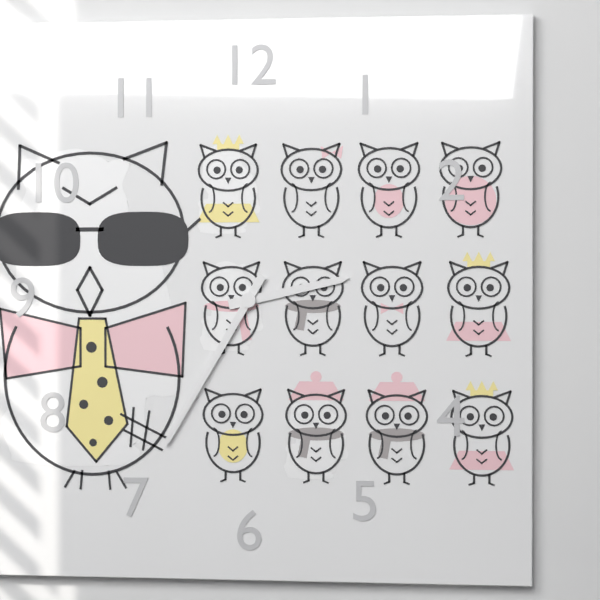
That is 2:35
